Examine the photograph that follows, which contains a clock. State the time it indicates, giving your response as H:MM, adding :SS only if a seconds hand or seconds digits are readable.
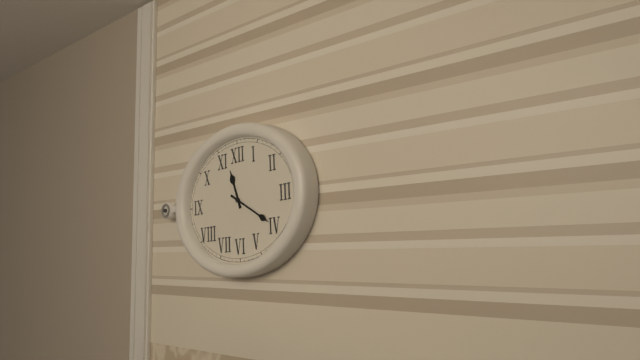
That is 11:20
